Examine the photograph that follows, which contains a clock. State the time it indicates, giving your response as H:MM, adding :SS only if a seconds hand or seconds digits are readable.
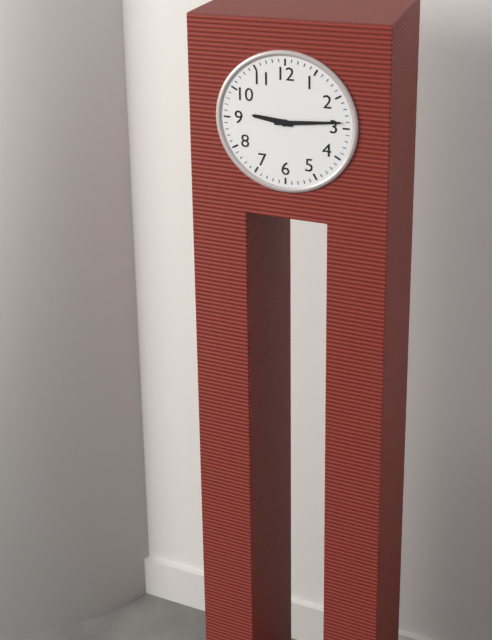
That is 9:14
